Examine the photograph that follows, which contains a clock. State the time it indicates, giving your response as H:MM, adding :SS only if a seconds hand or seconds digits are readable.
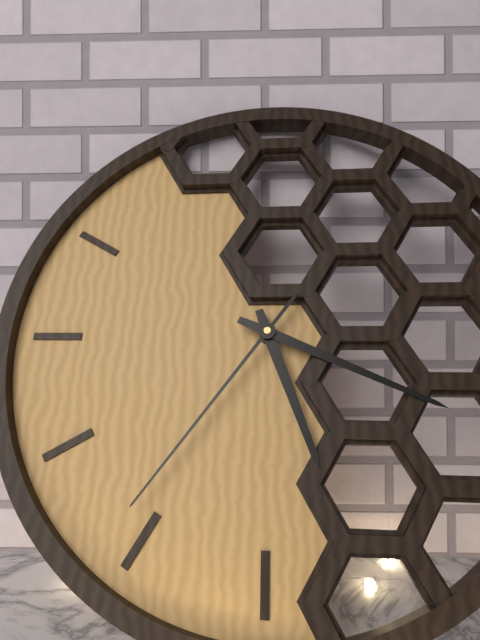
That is 5:19:36
